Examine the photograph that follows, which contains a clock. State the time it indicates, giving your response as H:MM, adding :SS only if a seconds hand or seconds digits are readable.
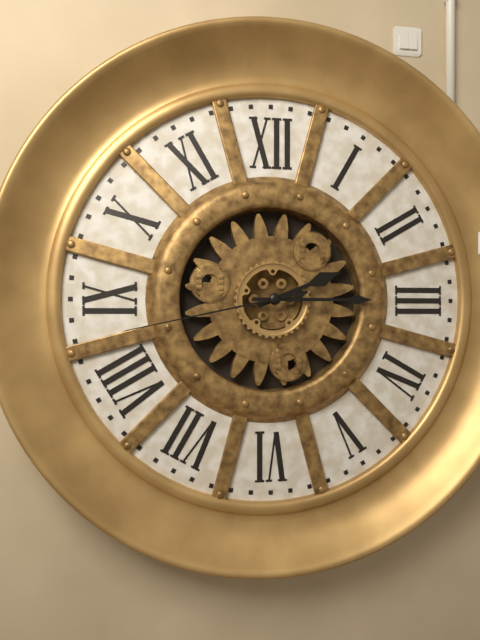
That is 2:15:43
